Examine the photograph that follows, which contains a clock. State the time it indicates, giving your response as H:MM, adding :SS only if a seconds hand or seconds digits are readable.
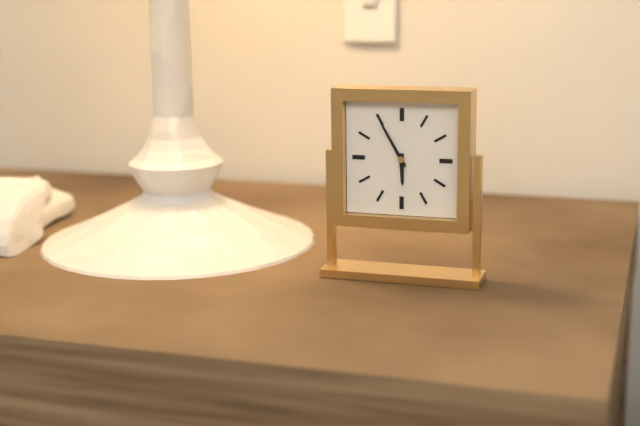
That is 5:55
